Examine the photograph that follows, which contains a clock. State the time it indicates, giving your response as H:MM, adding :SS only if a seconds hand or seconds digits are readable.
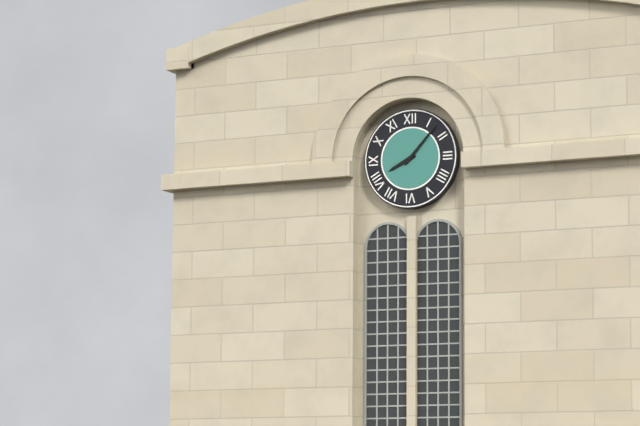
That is 8:07
